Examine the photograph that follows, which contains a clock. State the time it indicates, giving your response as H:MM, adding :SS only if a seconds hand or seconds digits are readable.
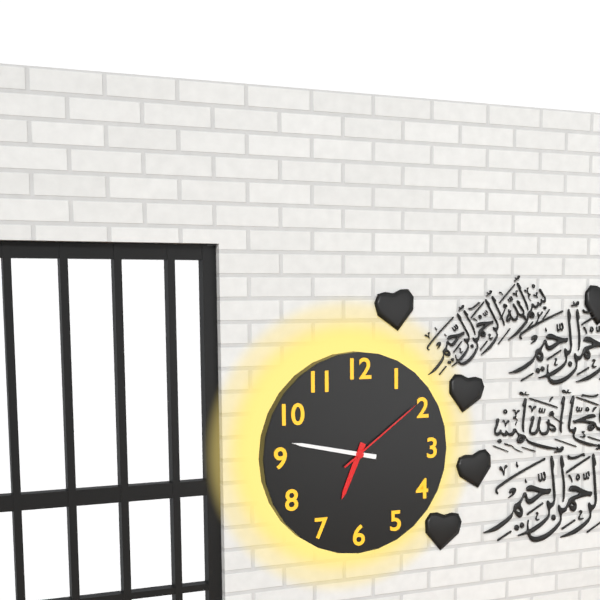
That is 6:47:09
